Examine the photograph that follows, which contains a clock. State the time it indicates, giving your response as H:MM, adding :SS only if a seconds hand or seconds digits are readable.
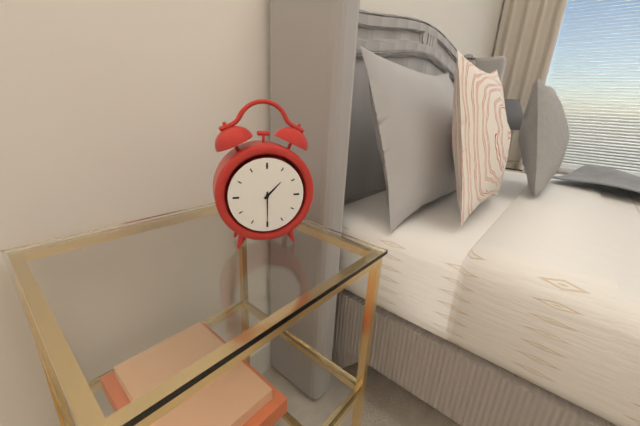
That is 1:30
